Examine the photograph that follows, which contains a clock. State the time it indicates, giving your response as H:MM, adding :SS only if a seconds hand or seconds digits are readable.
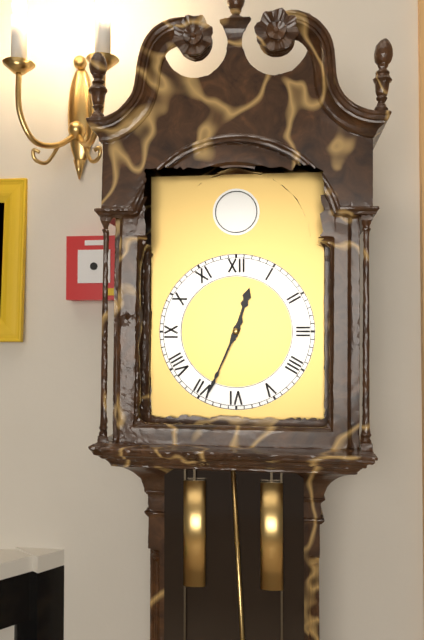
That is 12:34
